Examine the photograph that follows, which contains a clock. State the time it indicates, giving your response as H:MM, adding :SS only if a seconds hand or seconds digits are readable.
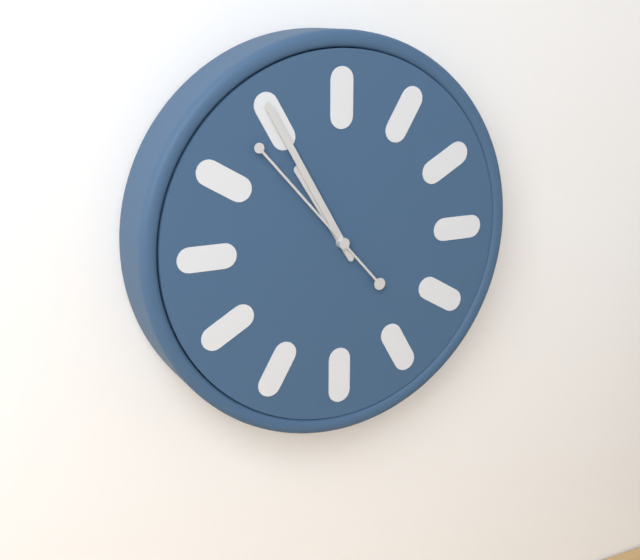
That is 10:55:53
